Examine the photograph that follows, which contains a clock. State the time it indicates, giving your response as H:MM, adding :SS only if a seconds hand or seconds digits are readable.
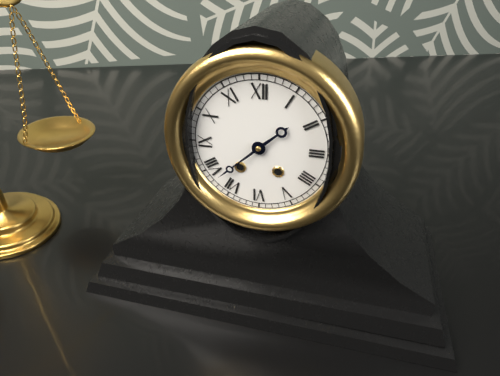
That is 1:38
